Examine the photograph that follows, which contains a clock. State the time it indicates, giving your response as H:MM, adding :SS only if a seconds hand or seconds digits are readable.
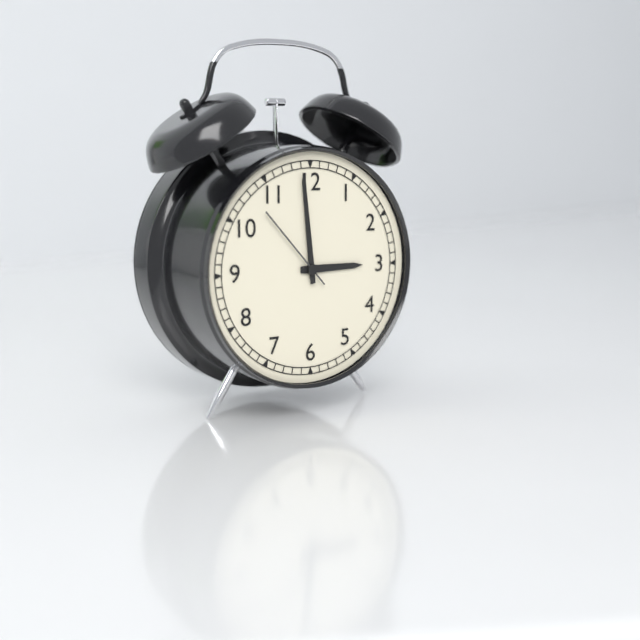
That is 2:59:53
